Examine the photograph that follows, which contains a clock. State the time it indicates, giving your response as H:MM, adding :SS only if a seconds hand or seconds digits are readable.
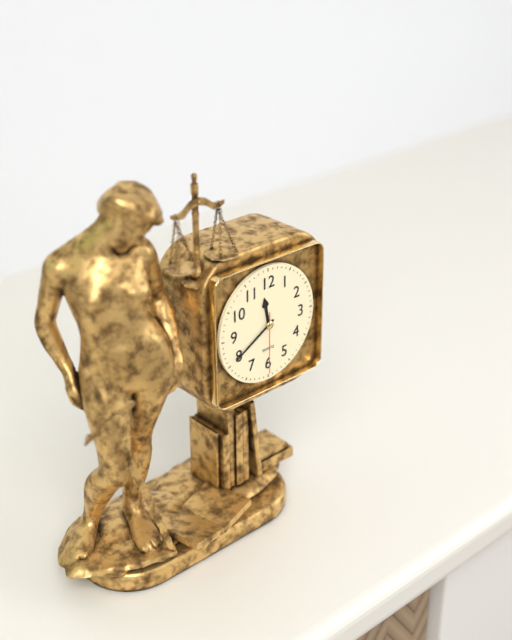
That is 11:40:30
